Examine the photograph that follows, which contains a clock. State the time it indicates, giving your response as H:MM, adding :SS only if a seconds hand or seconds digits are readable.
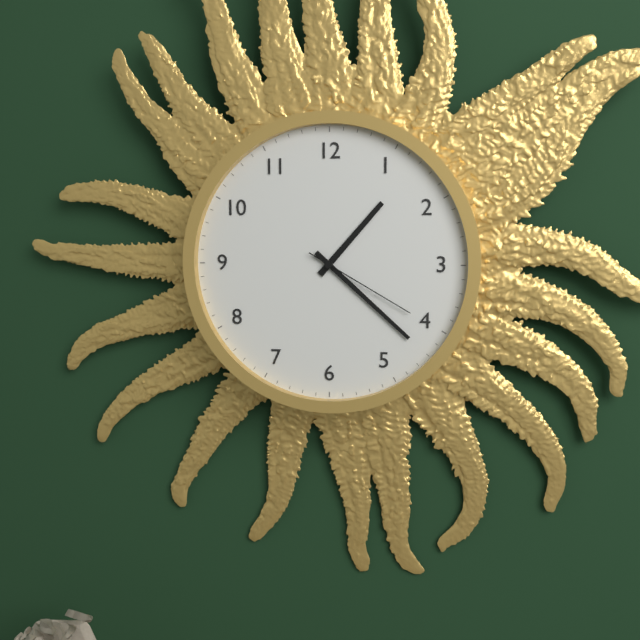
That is 1:22:20
